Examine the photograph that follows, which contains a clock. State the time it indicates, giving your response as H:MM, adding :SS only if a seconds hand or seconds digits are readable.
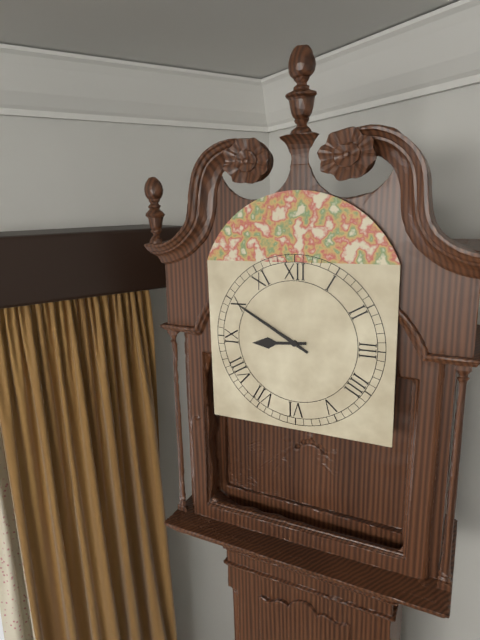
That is 8:50
